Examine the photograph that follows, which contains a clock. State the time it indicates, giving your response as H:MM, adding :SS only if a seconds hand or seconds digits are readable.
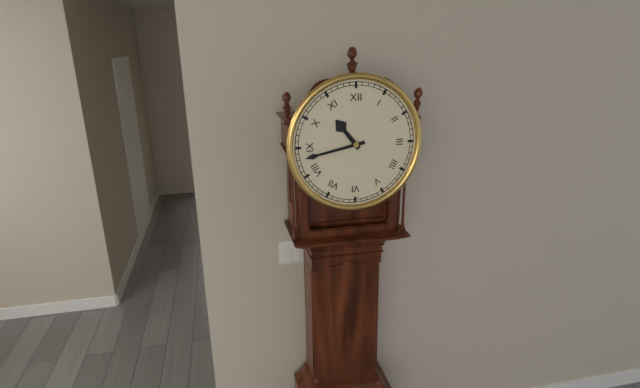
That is 10:43
